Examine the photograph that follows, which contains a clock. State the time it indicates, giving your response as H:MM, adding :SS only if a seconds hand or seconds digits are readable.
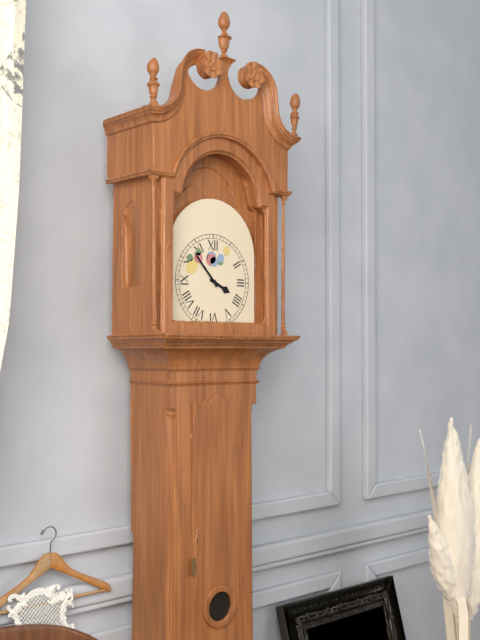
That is 3:53
